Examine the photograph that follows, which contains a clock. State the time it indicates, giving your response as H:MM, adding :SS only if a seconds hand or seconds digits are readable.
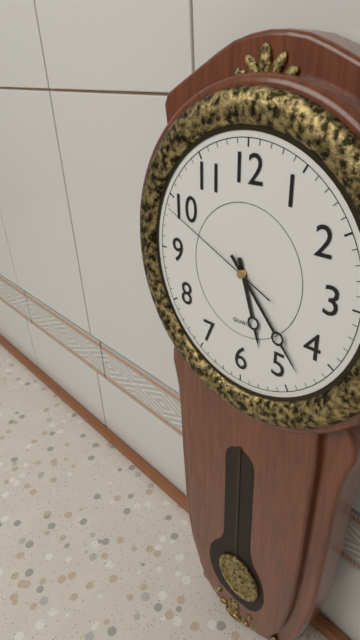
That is 5:23:49
